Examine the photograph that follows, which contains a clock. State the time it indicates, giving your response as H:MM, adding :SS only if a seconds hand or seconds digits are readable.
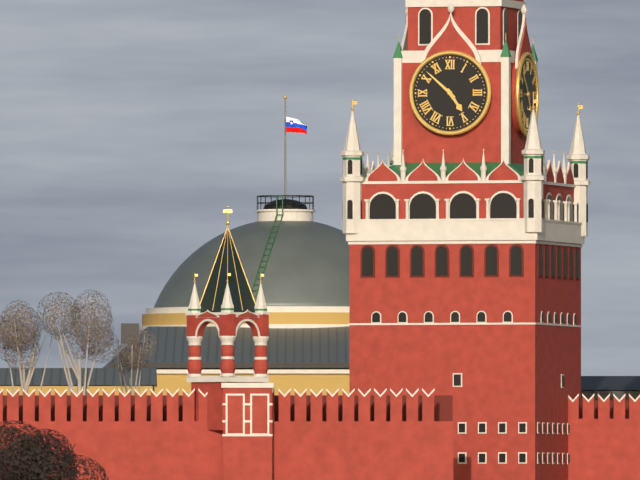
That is 4:52
